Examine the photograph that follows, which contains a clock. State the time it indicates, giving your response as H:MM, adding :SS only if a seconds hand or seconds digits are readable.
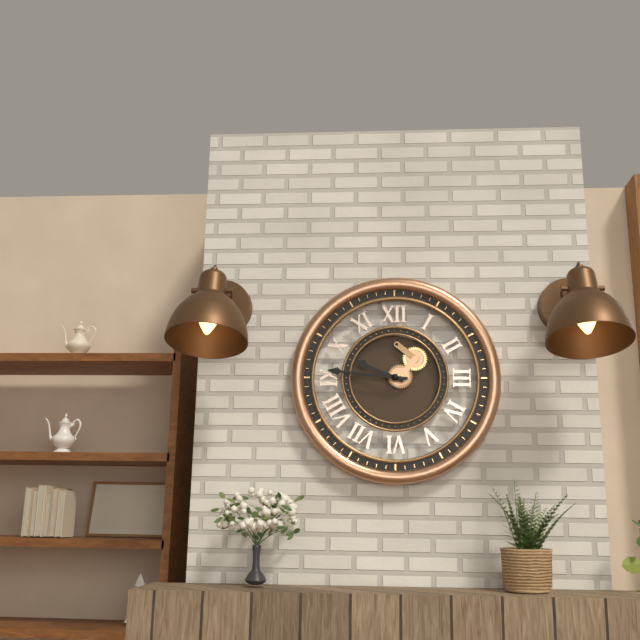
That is 9:46
